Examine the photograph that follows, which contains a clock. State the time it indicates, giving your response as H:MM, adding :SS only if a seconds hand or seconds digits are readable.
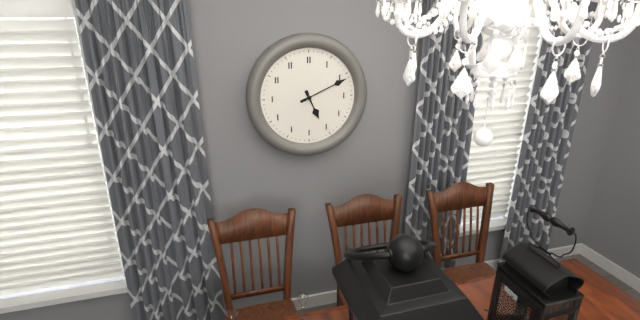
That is 5:11
